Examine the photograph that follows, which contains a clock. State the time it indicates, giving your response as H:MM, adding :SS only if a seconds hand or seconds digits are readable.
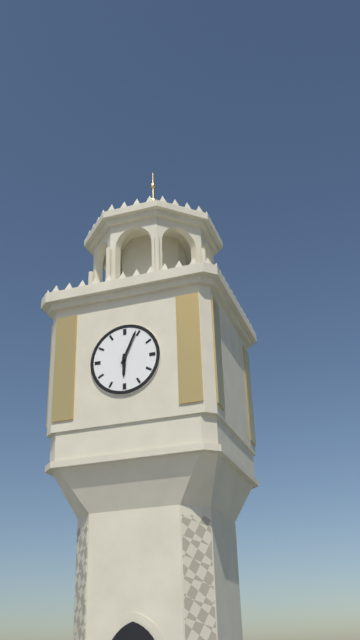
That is 6:04
